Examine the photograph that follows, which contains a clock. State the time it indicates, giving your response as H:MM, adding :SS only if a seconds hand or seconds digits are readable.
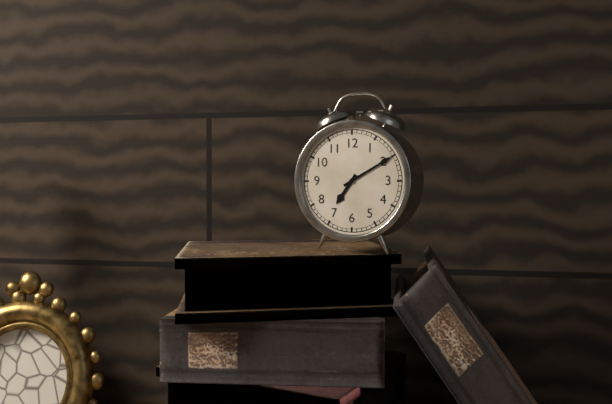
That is 7:10
